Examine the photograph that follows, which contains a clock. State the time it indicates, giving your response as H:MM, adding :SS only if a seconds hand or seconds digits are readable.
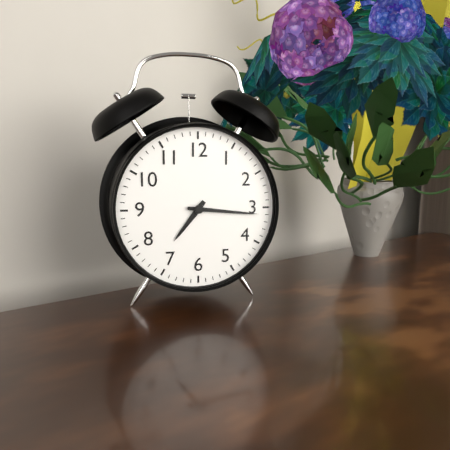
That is 7:16
